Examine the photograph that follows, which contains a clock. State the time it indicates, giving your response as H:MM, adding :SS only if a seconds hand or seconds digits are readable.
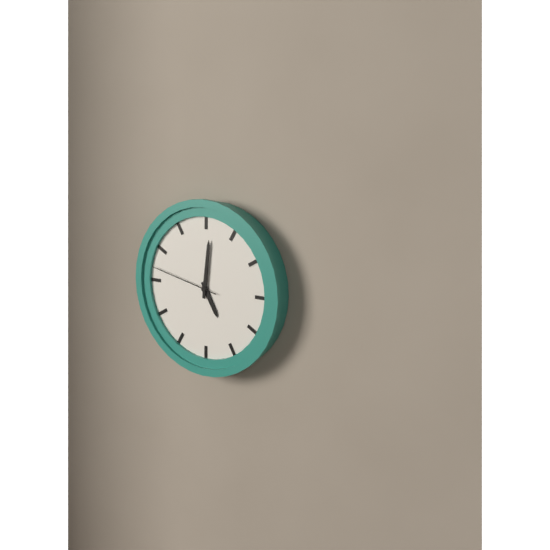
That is 5:01:47
